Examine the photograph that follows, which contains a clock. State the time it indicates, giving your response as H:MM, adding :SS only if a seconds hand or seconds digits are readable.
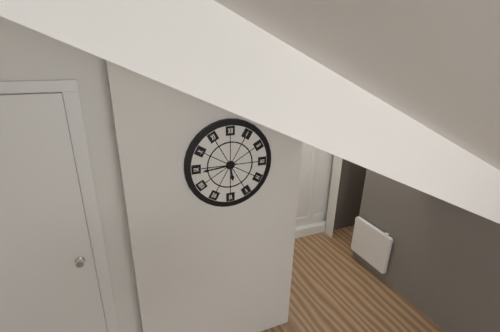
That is 5:44
